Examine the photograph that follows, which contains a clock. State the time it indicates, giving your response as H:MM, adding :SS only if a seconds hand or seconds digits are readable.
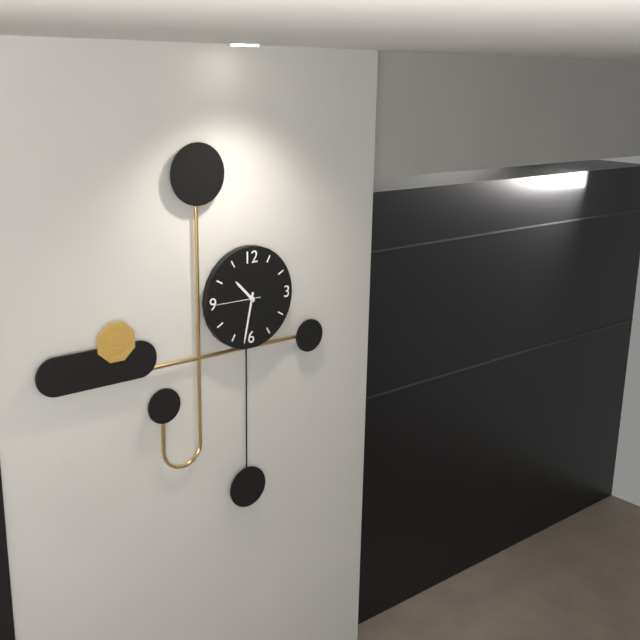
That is 10:32
